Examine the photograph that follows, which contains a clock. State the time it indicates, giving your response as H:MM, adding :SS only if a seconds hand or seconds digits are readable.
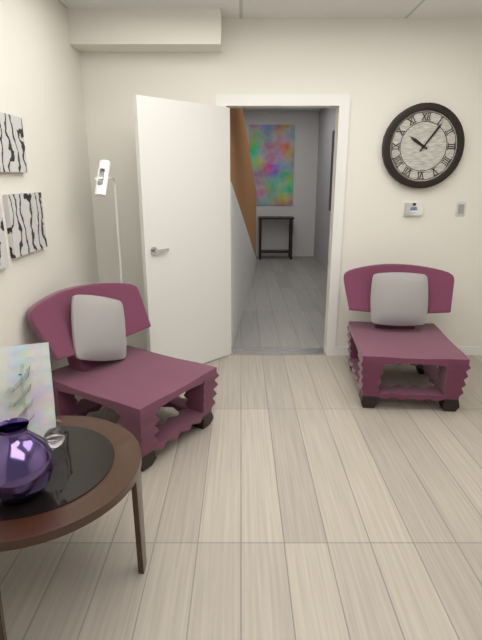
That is 10:06
